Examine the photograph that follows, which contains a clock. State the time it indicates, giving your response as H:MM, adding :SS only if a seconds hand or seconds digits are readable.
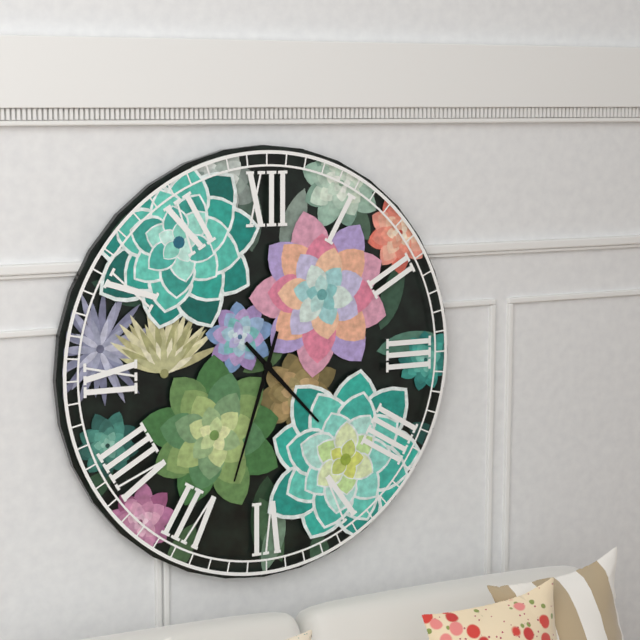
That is 4:33
